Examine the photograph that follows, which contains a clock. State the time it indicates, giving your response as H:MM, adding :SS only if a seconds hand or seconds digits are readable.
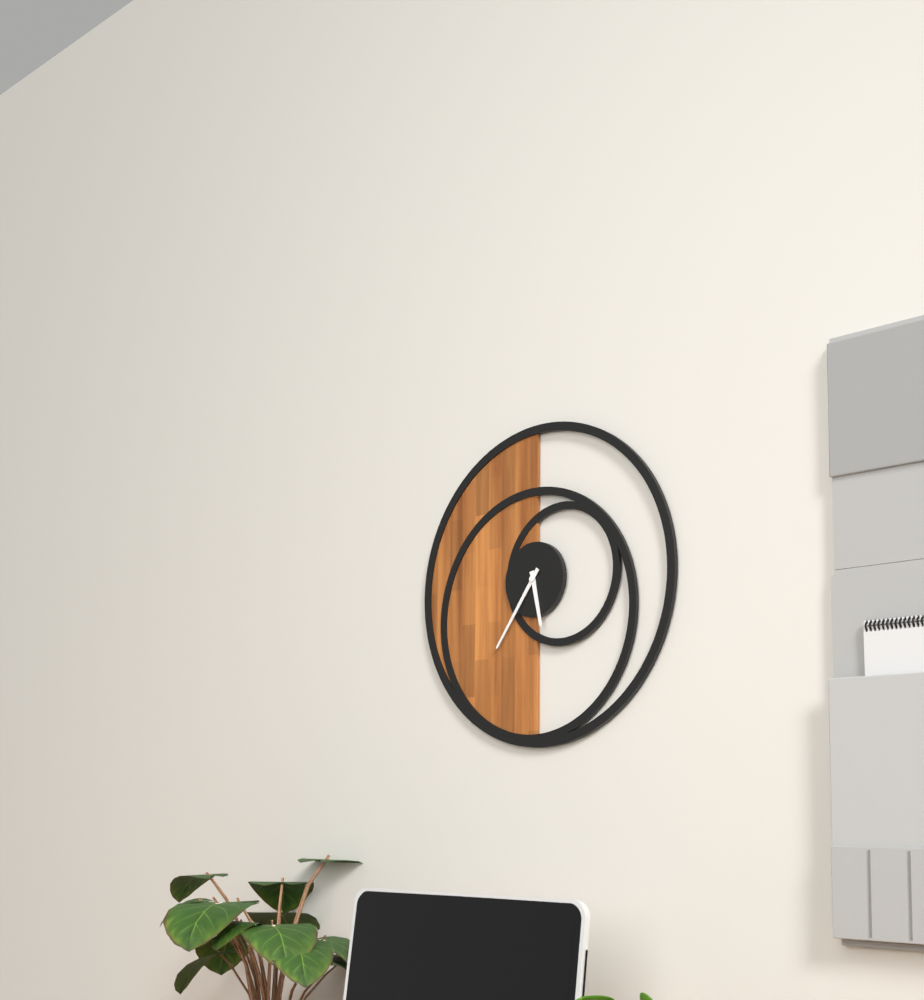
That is 5:36
